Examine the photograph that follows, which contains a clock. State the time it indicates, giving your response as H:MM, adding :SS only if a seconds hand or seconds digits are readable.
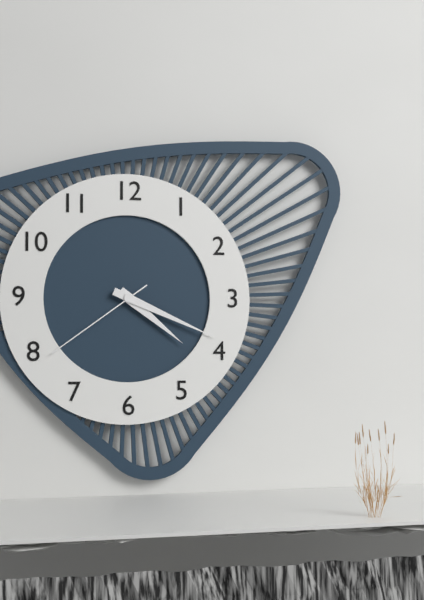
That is 4:19:39
